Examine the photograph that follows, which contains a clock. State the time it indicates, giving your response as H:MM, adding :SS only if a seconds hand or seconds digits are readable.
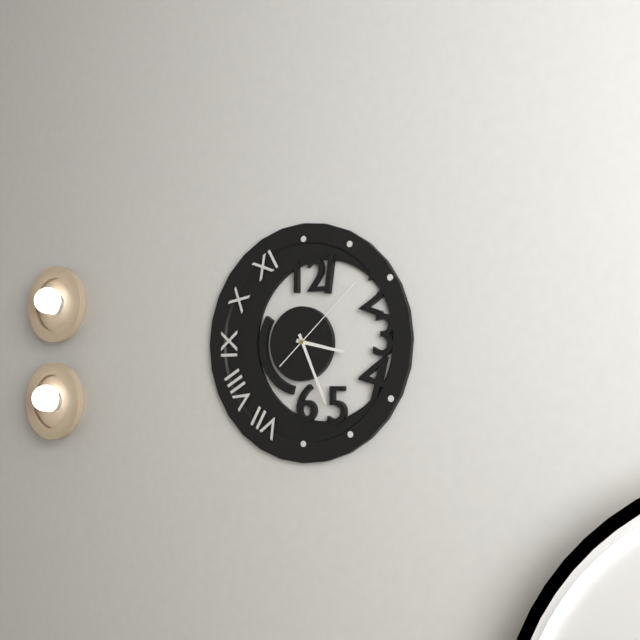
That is 3:26:08
